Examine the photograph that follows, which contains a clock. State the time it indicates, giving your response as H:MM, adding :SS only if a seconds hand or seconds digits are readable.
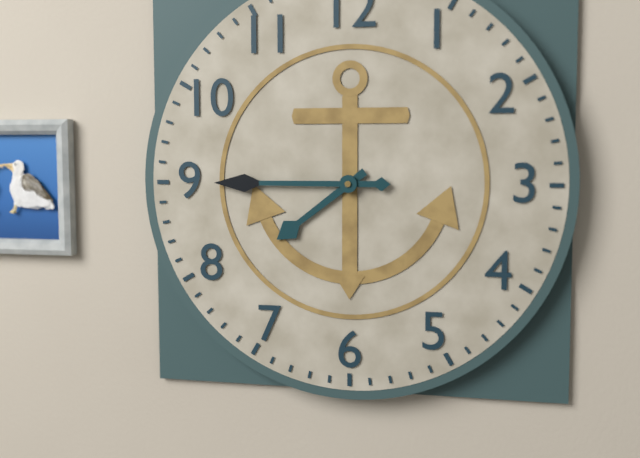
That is 7:45
